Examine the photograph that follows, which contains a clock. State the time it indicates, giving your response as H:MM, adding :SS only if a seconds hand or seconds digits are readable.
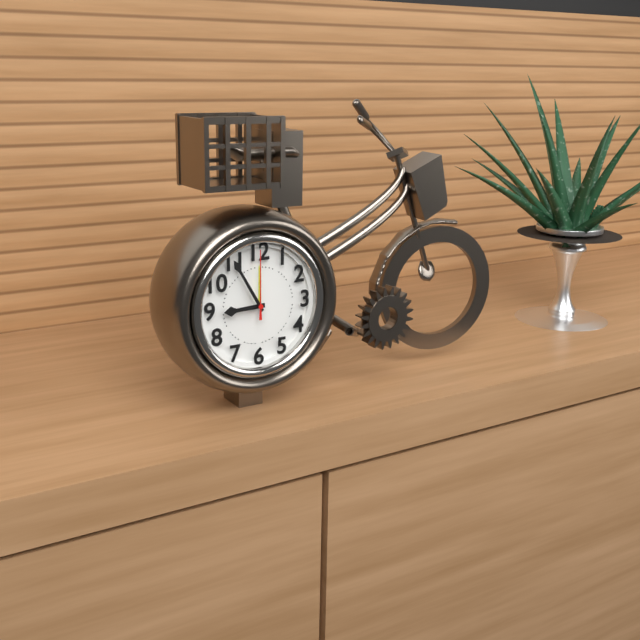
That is 8:55:00
